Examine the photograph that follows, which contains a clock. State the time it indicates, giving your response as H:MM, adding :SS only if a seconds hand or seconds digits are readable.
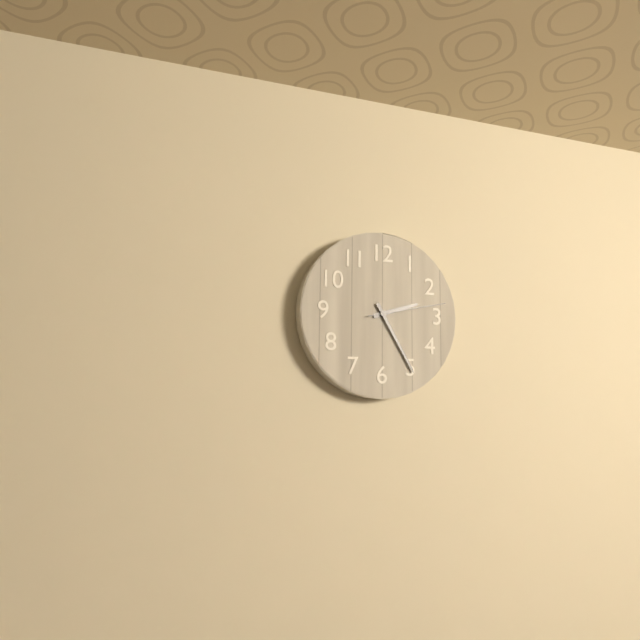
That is 2:25:13
